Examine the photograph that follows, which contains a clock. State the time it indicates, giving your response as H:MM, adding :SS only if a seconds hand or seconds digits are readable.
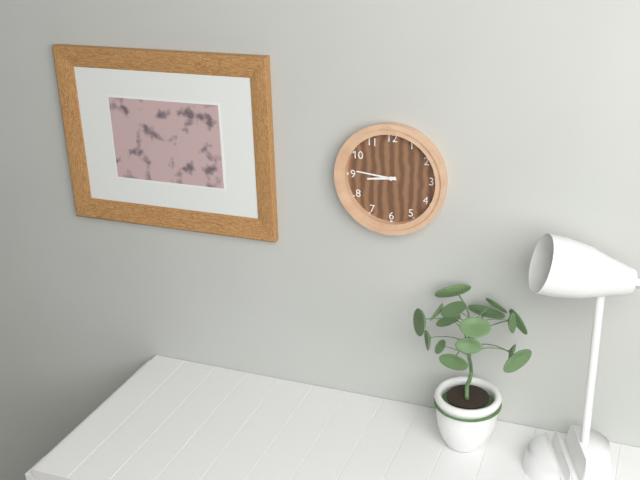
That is 8:46
